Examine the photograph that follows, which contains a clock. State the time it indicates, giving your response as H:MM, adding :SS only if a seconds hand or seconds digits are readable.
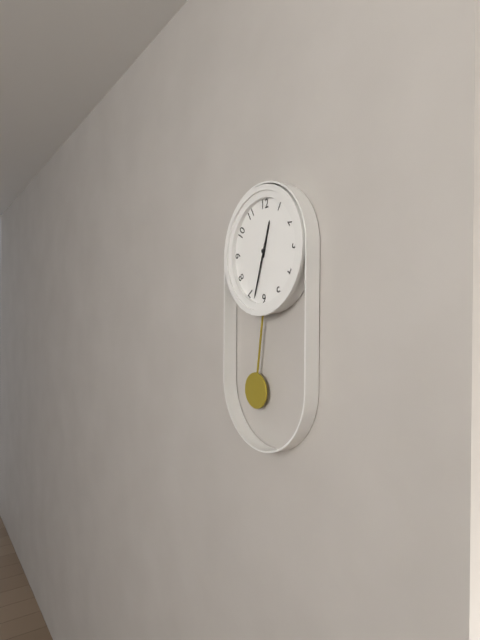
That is 12:33
